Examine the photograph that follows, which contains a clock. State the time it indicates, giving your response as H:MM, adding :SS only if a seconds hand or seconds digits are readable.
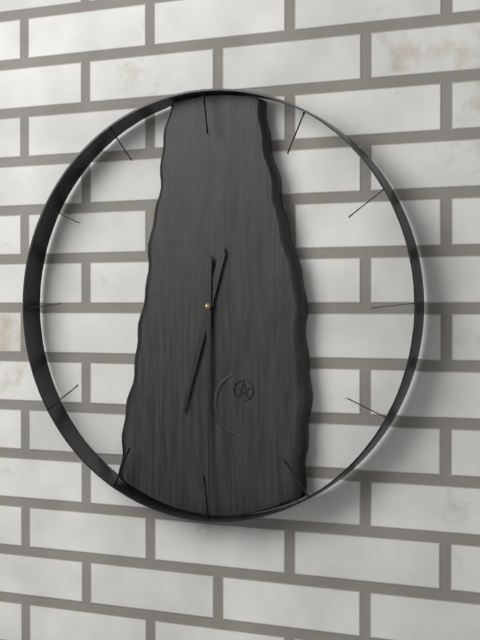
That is 6:30
